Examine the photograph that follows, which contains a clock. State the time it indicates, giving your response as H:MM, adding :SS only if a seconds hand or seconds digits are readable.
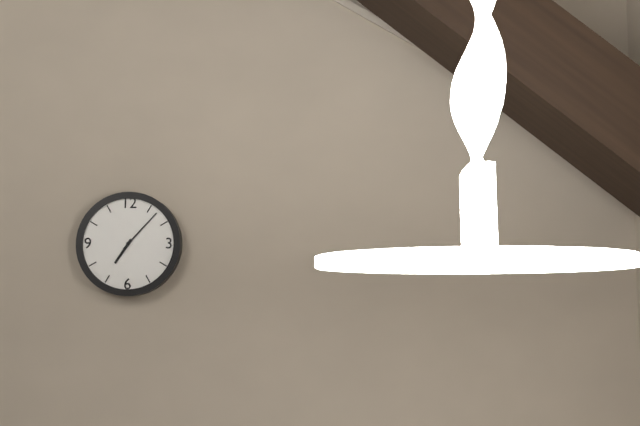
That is 7:07
